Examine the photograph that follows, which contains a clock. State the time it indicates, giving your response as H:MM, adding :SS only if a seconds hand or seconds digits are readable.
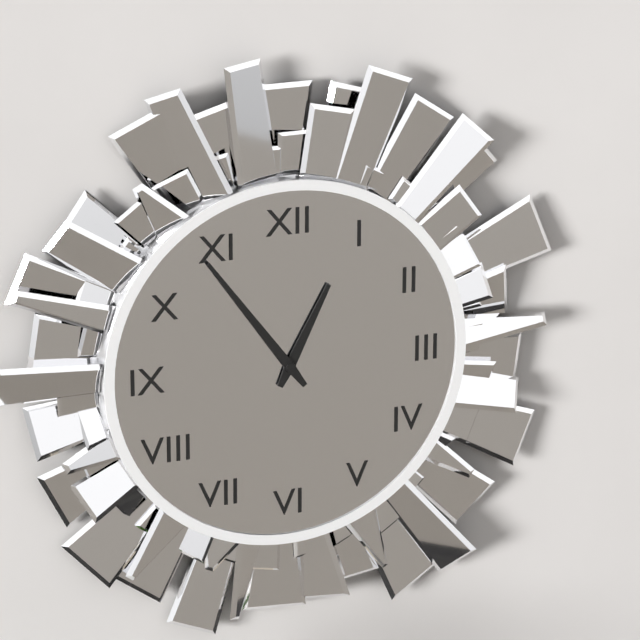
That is 12:54
